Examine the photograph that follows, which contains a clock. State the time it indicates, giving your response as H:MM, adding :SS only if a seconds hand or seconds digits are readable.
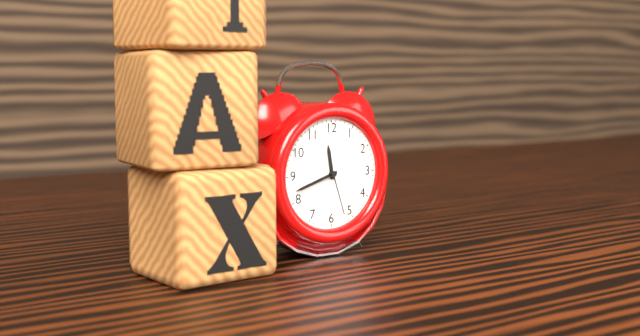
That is 11:42:27
